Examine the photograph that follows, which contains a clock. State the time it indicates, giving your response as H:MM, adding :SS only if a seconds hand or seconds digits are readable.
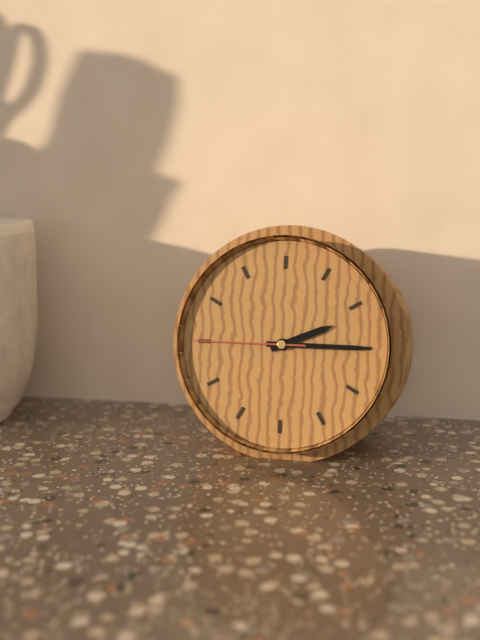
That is 2:15:45
